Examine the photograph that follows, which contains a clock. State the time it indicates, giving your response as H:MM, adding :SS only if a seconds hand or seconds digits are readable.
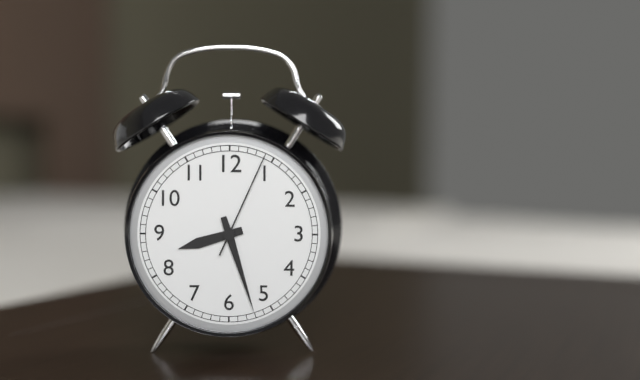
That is 8:27:04
